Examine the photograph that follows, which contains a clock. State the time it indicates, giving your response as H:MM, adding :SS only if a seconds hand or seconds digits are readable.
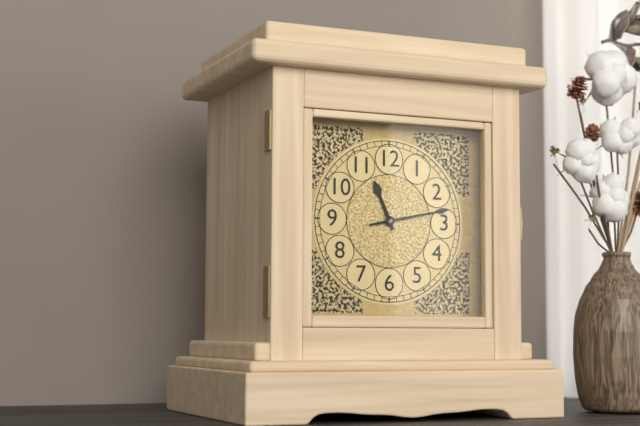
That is 11:13
